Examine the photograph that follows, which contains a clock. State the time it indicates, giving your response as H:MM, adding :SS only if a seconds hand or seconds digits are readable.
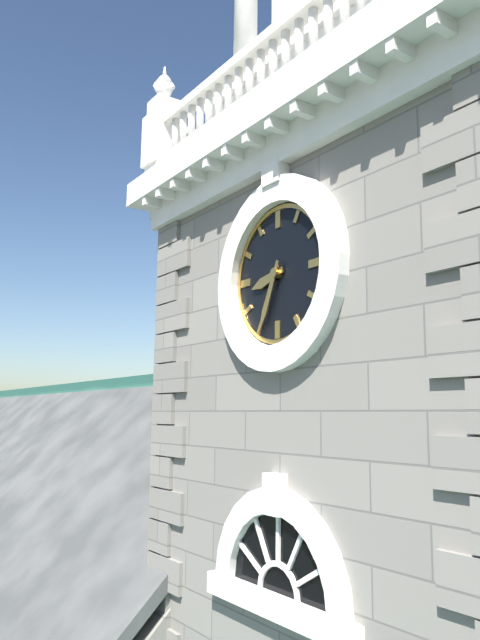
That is 8:34
